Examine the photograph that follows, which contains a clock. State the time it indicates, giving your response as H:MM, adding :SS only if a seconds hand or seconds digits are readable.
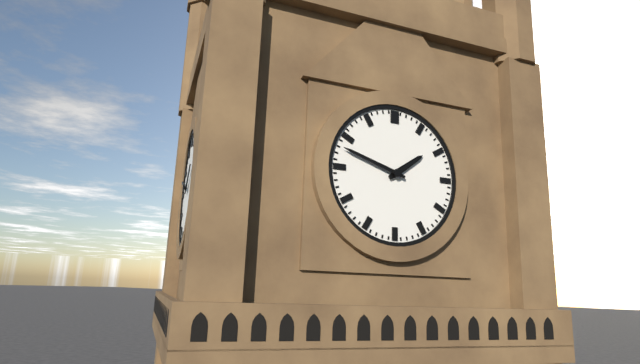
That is 1:48
